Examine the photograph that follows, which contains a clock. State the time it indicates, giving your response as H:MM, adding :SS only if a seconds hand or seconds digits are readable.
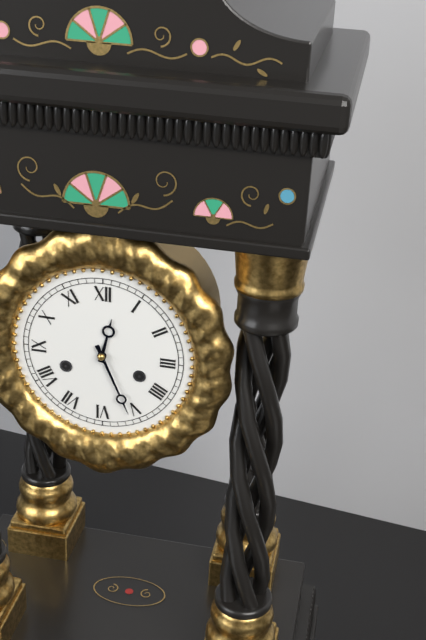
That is 12:26
